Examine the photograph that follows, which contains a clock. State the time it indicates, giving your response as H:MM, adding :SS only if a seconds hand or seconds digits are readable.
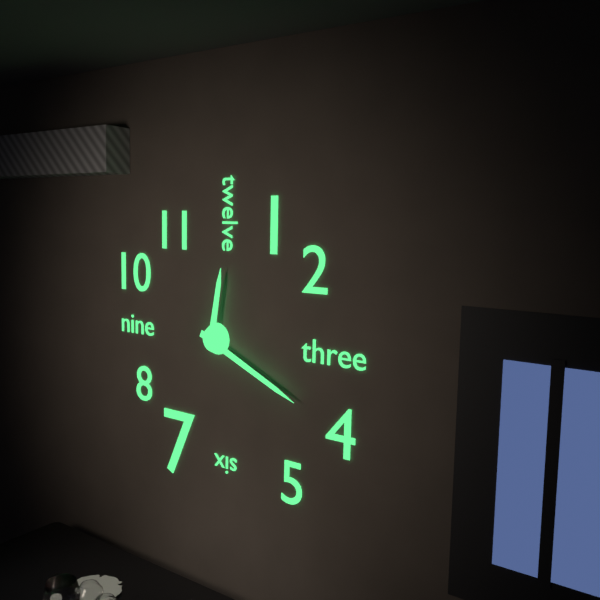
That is 12:19
